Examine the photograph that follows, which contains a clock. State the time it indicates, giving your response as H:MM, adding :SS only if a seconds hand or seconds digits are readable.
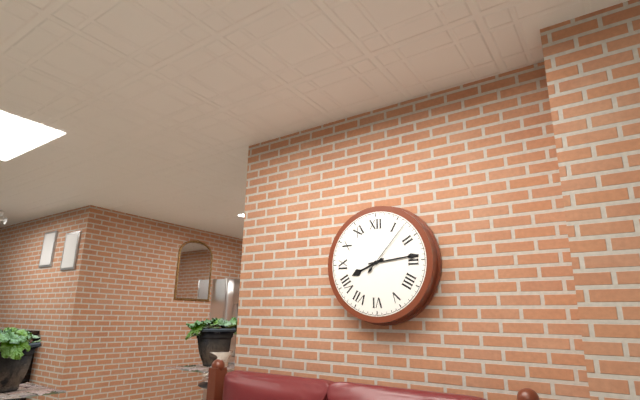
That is 8:14:07
